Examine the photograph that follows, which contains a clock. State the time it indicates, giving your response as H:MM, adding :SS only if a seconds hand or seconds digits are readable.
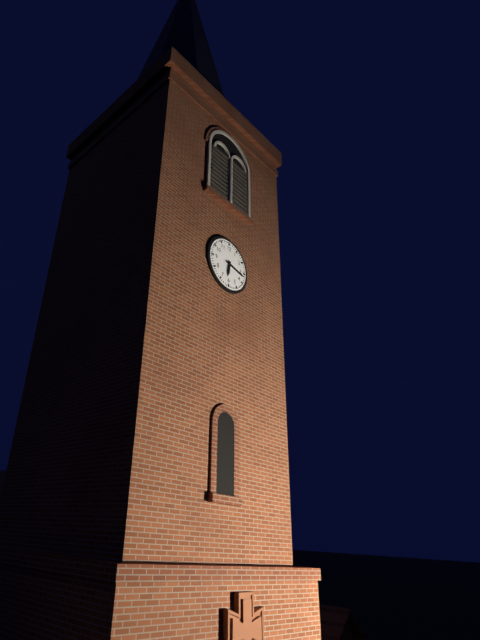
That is 6:17
